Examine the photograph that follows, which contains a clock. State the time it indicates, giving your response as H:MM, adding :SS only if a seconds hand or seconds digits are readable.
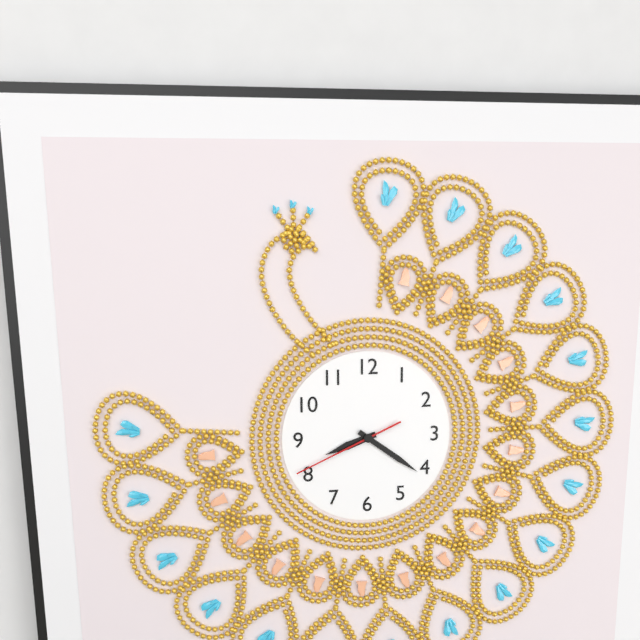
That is 8:21:41
